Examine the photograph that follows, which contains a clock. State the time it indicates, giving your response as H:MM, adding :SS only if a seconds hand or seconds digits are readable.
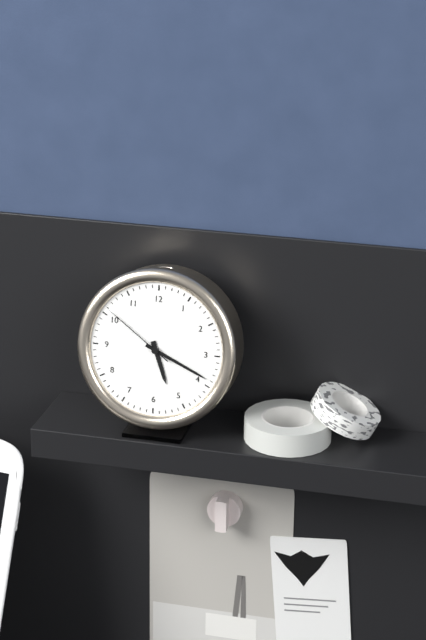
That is 5:19:51
